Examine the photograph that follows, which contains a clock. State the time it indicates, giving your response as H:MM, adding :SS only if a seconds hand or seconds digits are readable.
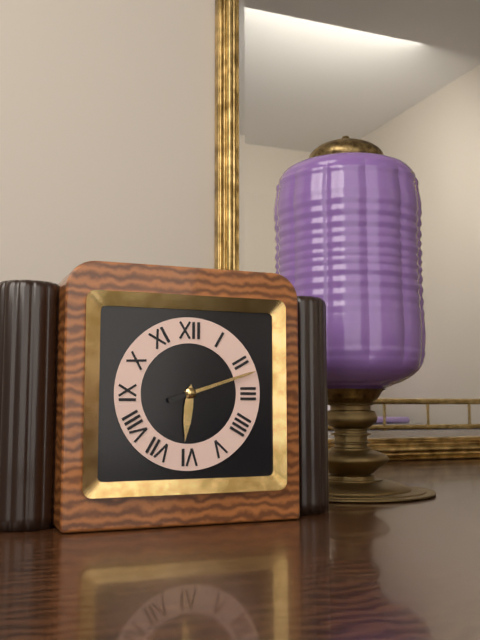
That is 6:12
